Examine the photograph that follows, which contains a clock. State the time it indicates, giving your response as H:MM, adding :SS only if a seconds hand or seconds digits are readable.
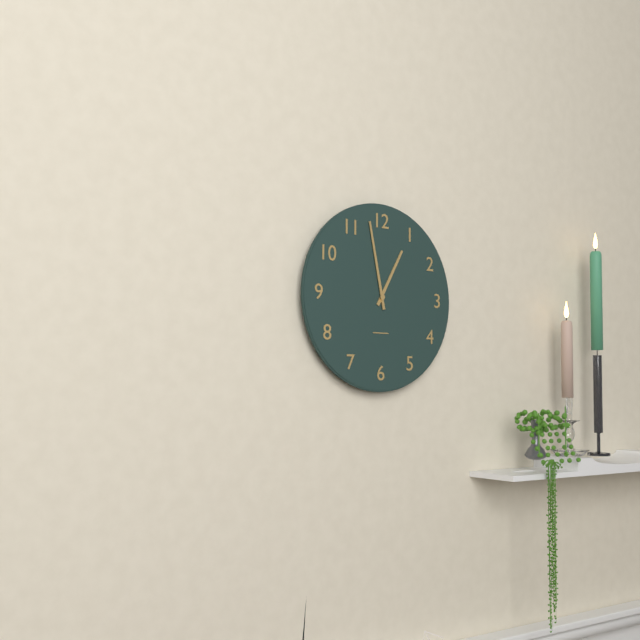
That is 12:58
